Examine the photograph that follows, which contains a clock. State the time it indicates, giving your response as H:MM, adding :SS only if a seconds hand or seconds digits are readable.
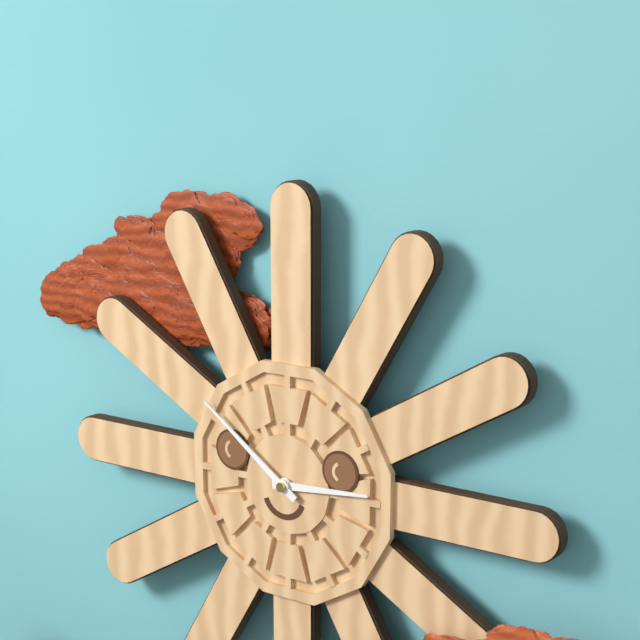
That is 2:51
